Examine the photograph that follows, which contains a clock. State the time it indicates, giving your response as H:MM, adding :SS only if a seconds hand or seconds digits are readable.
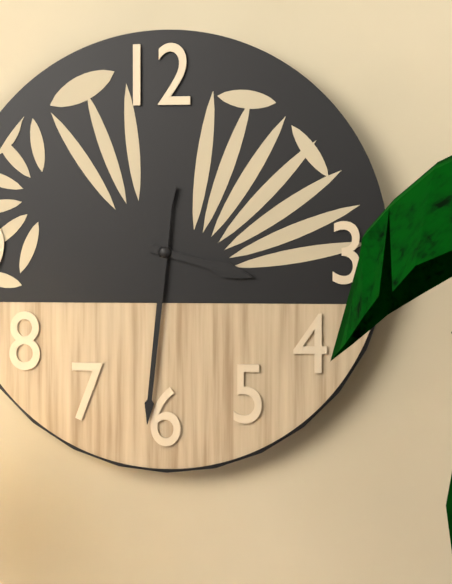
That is 3:31
